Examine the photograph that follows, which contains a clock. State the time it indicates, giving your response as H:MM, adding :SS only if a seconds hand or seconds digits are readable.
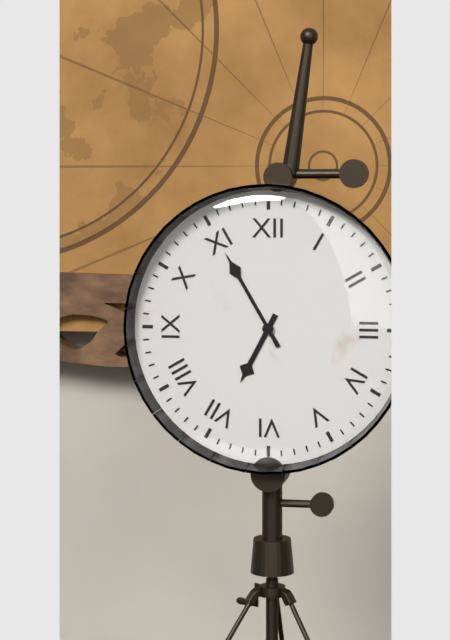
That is 6:55
